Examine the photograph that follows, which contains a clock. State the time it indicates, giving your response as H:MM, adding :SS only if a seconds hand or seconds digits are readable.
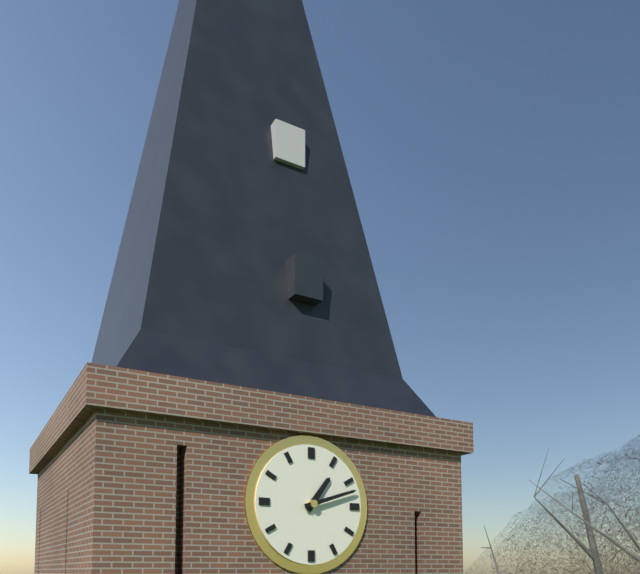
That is 1:12
